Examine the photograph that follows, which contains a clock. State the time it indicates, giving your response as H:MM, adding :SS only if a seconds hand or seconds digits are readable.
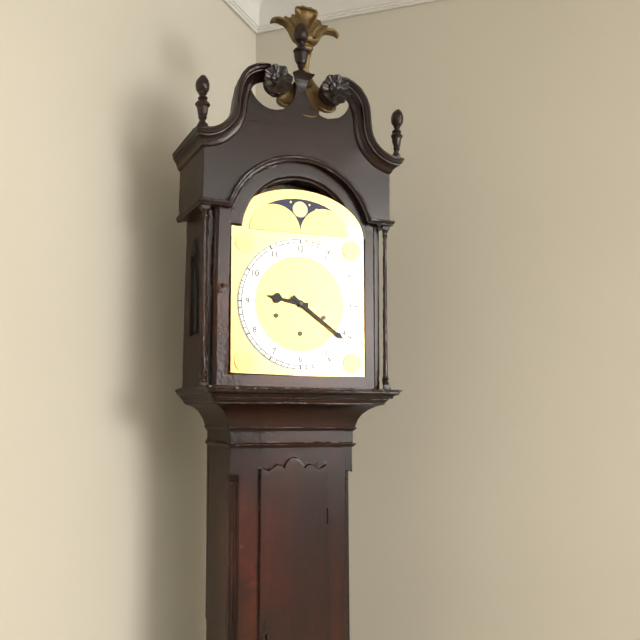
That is 9:21
